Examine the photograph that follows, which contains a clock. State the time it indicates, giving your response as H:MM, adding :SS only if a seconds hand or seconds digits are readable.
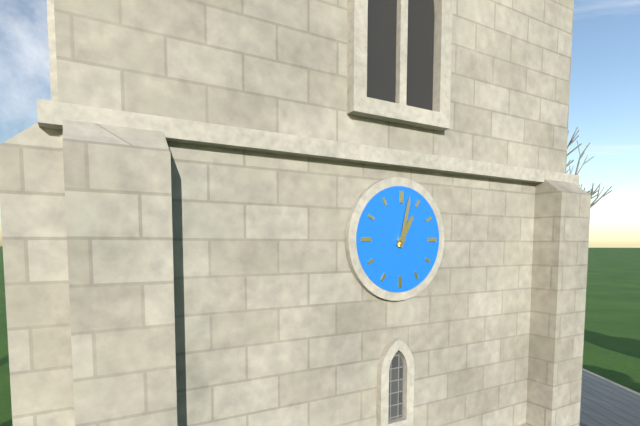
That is 1:02
